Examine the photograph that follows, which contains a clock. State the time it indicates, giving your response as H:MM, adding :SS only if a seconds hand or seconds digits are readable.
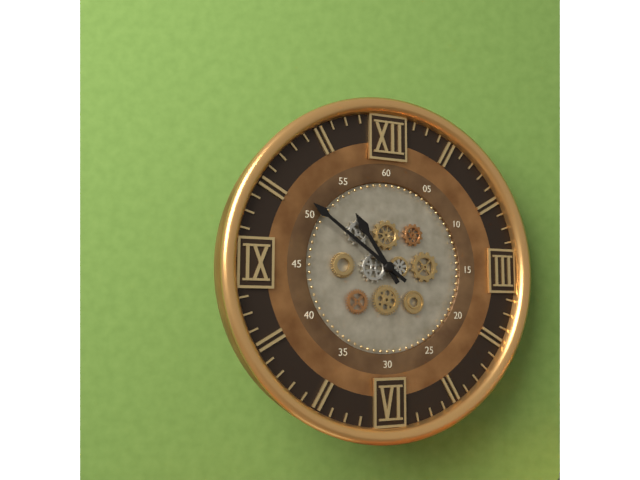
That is 10:51
